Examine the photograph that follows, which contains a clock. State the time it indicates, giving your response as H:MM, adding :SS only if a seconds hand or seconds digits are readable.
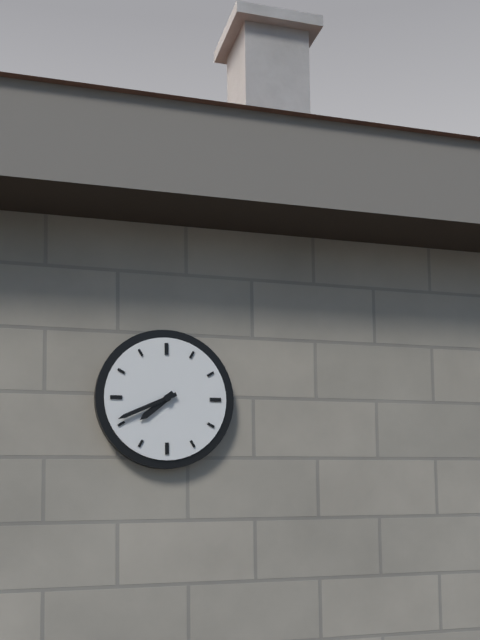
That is 7:41
